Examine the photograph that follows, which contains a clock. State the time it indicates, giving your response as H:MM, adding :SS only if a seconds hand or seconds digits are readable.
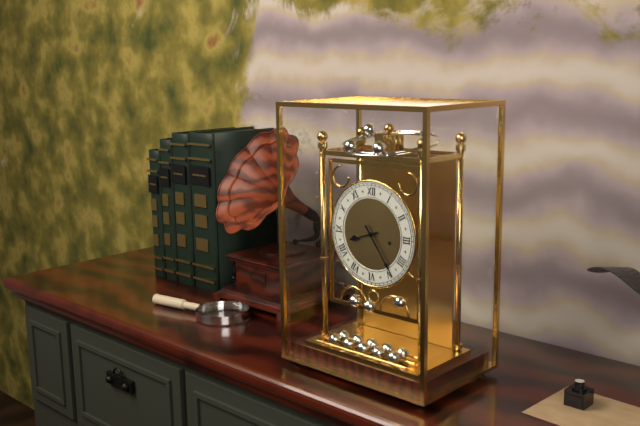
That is 8:24
